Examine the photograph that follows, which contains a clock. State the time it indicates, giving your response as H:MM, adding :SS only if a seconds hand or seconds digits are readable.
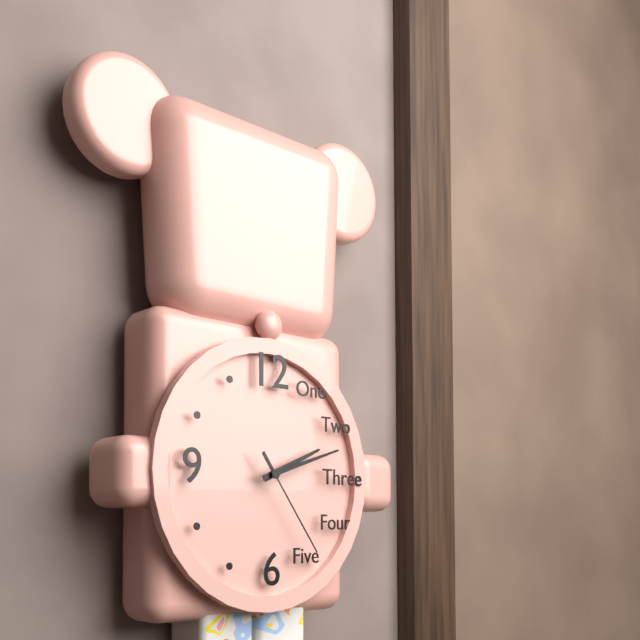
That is 2:12:24
